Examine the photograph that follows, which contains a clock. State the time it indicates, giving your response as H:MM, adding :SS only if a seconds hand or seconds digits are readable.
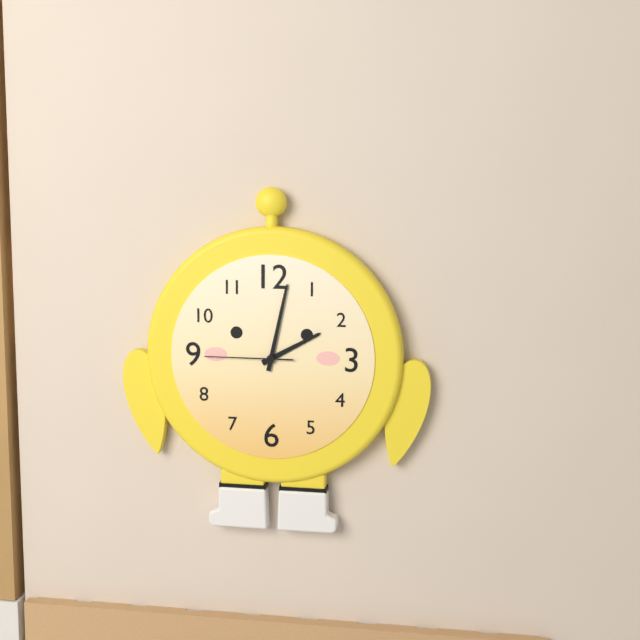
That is 2:02:45
